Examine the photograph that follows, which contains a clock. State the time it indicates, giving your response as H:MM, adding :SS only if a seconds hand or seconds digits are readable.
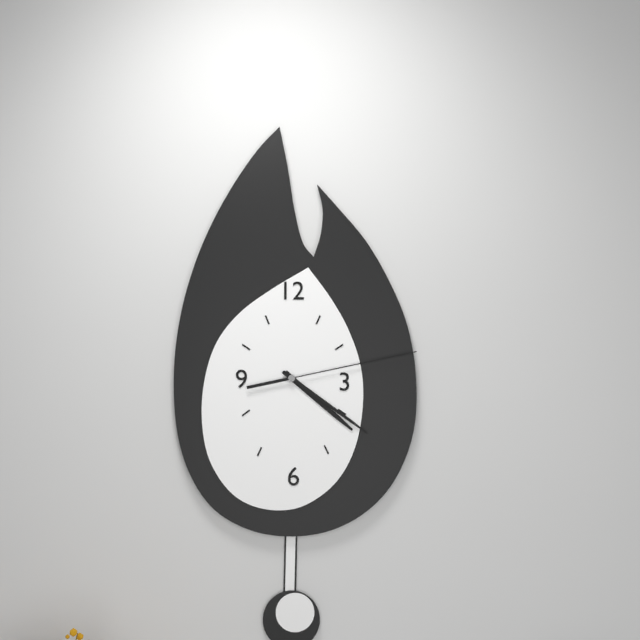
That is 4:21:13
